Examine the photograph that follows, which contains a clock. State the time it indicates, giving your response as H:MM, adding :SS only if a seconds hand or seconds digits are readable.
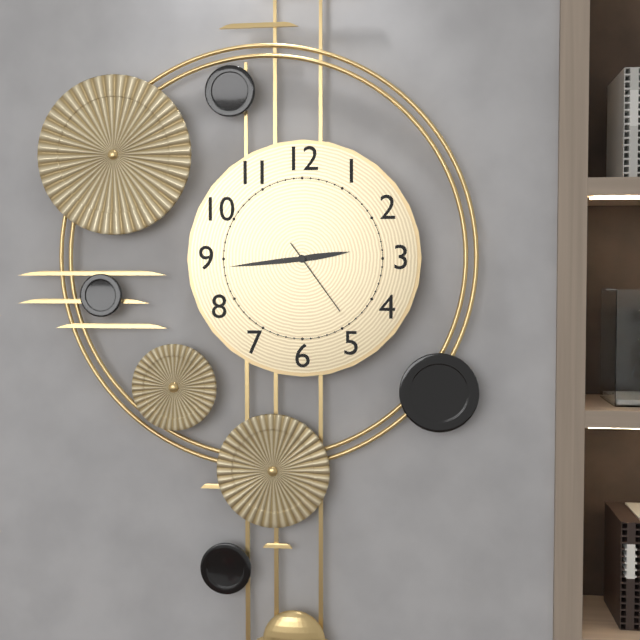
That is 2:44:24
